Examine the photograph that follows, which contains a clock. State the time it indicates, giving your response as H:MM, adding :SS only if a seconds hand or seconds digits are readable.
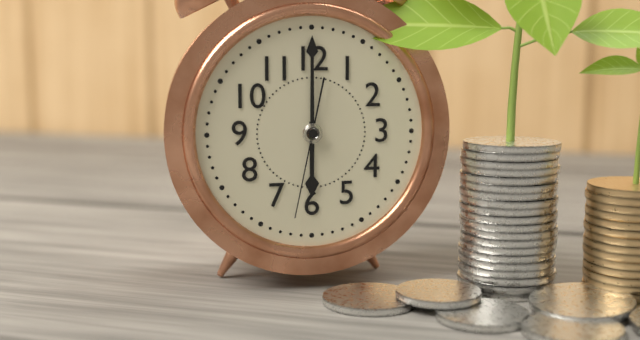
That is 6:00:32
